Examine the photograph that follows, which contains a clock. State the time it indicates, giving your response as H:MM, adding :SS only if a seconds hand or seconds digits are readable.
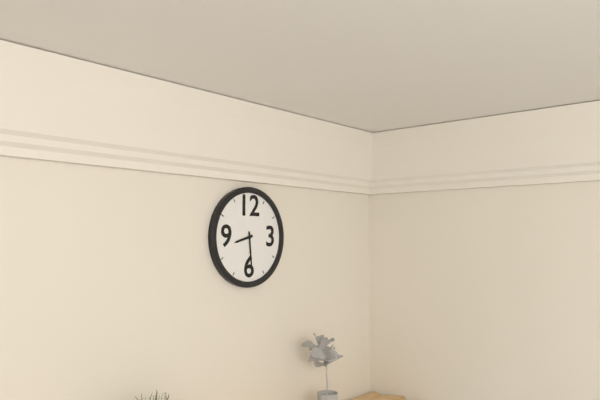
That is 8:29
